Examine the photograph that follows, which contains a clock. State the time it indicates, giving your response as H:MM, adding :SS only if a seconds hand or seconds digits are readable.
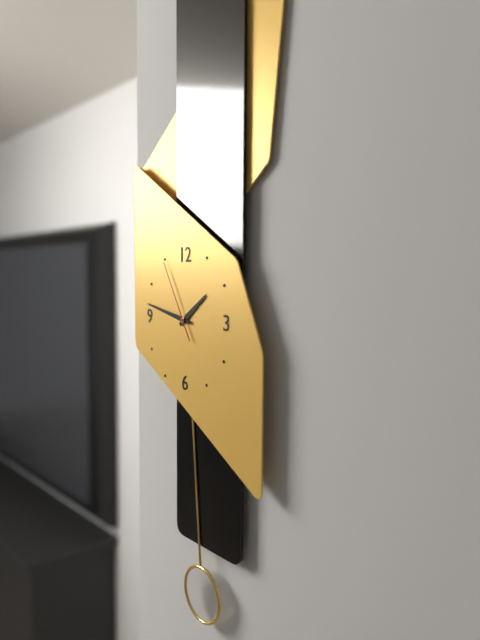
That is 1:47:55
